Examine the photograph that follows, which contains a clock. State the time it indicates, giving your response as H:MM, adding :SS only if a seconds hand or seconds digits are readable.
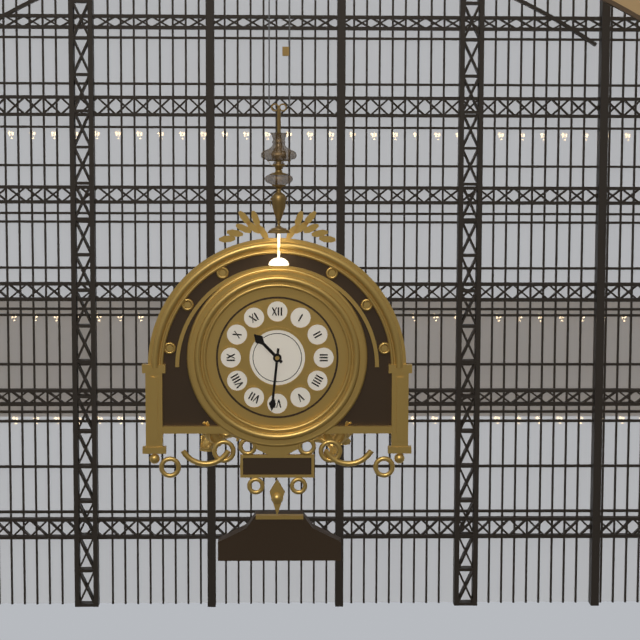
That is 10:31
